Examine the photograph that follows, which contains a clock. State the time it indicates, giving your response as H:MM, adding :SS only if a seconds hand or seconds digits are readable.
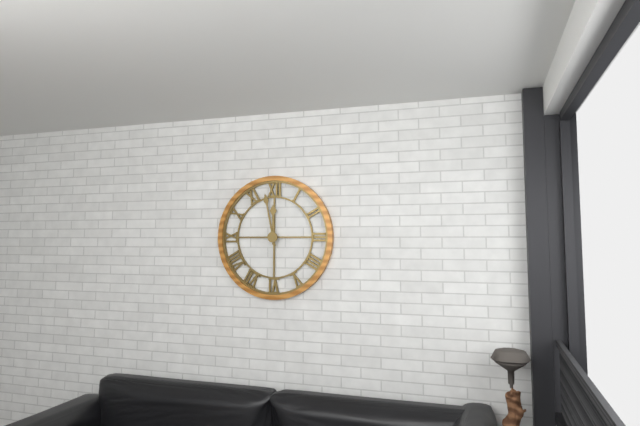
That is 11:58
